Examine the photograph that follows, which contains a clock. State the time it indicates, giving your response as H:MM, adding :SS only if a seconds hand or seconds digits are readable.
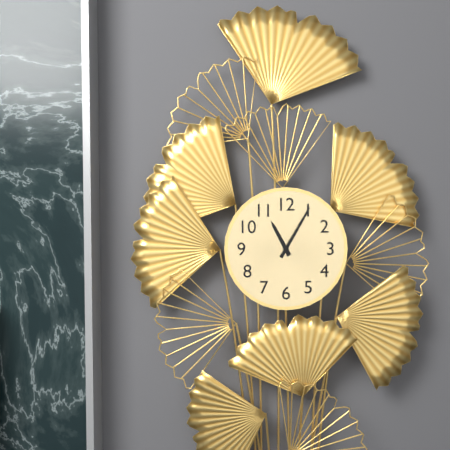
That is 11:05
